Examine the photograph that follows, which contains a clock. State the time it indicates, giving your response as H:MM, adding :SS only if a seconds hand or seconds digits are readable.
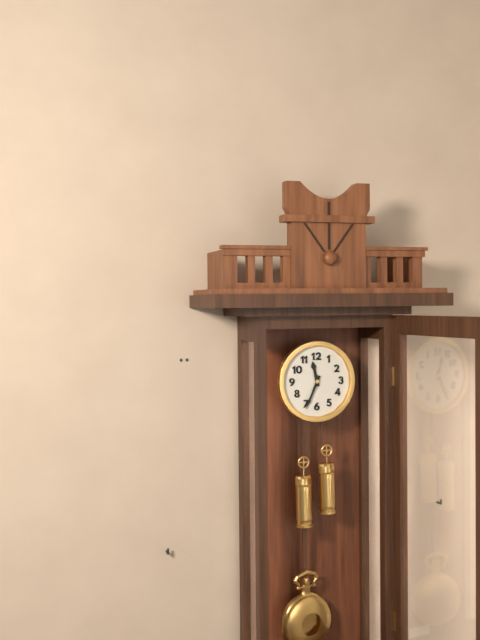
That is 11:34
